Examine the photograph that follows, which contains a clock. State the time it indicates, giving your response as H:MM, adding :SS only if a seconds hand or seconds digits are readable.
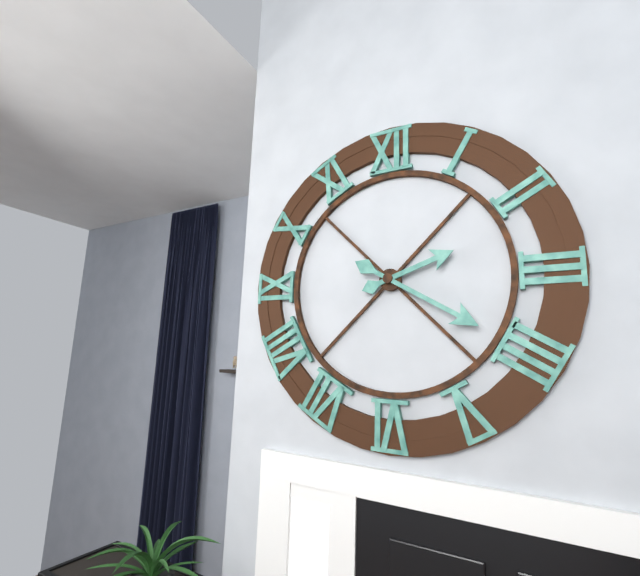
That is 2:20
